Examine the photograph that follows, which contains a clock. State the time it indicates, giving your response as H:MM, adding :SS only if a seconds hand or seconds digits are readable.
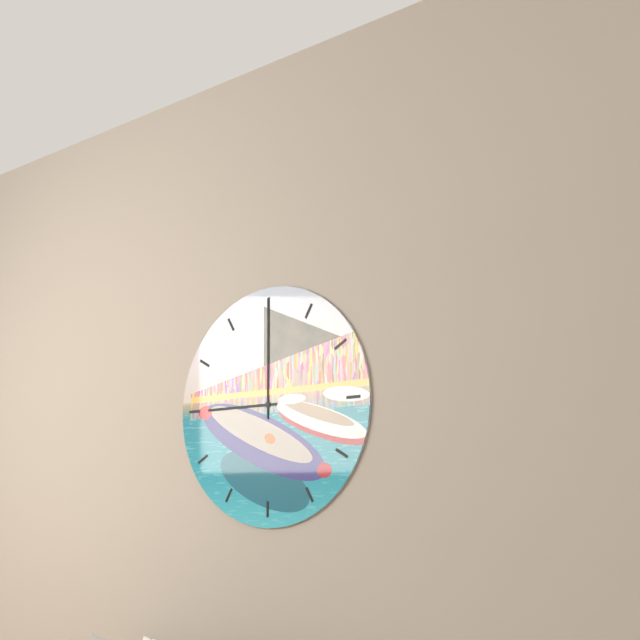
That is 9:00
